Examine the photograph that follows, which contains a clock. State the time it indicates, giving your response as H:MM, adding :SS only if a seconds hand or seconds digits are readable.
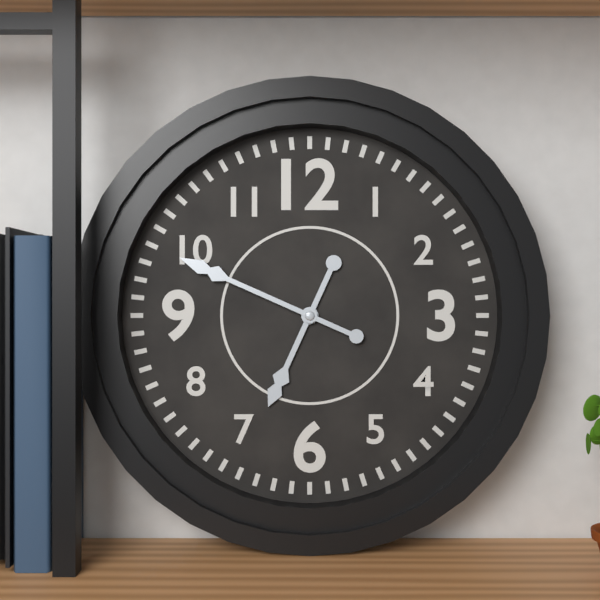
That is 6:49
